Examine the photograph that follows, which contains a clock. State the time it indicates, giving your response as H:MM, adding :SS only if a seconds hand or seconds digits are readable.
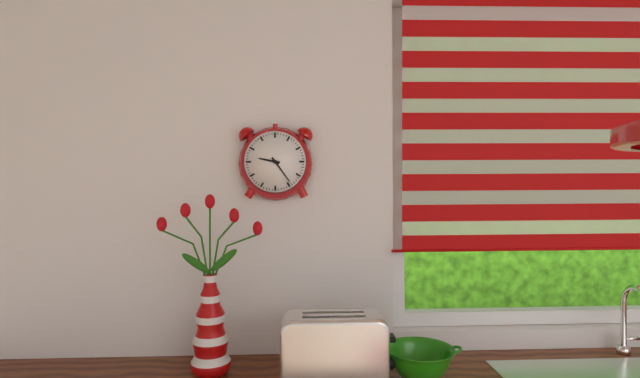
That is 9:24
